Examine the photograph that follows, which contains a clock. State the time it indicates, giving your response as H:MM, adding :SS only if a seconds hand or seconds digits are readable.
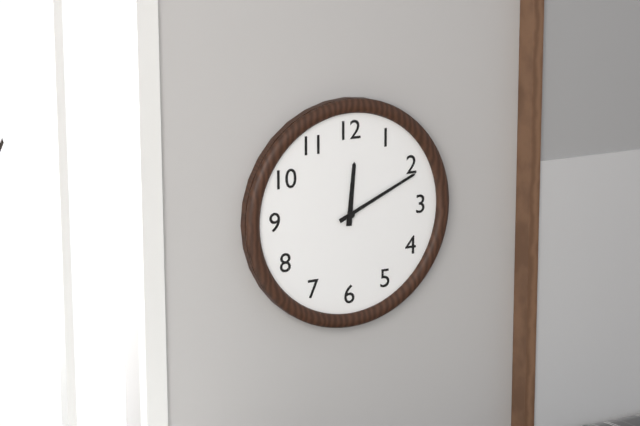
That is 12:11
